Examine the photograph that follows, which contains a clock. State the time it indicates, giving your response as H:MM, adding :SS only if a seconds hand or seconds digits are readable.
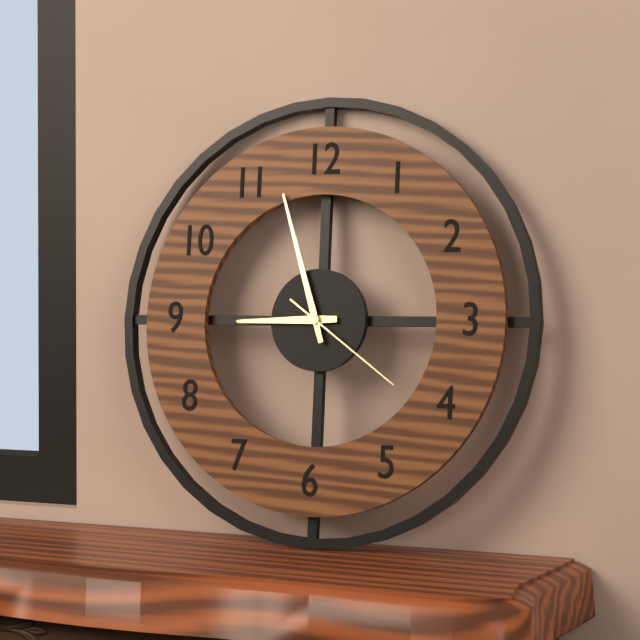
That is 8:57:21
